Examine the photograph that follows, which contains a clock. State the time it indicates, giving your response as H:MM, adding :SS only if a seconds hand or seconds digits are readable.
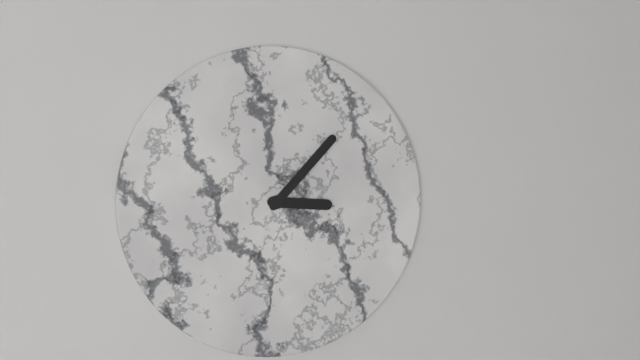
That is 3:07
